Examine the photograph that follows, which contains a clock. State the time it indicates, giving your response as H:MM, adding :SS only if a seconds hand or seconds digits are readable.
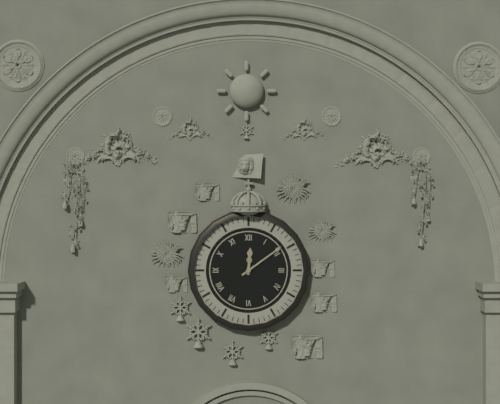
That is 12:09
